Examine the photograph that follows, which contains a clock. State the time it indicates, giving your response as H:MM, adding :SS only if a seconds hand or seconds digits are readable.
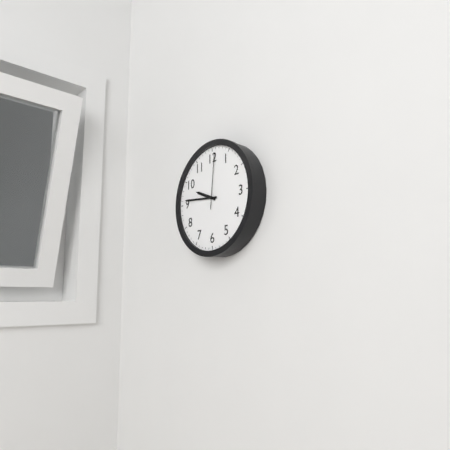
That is 9:46:01
